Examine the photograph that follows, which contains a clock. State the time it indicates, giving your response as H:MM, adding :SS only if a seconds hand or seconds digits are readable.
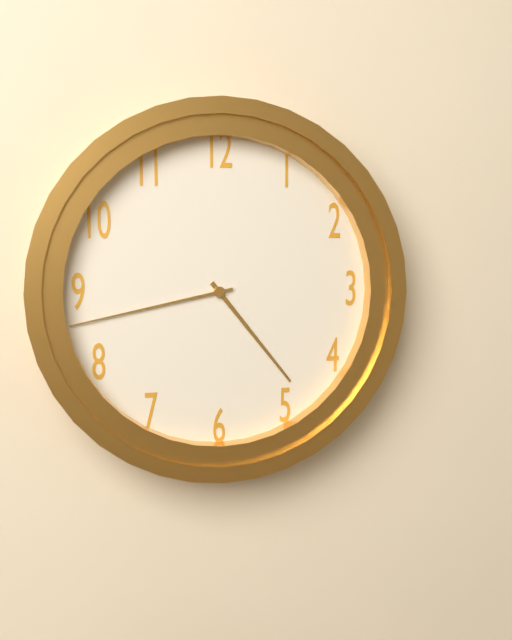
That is 4:43
